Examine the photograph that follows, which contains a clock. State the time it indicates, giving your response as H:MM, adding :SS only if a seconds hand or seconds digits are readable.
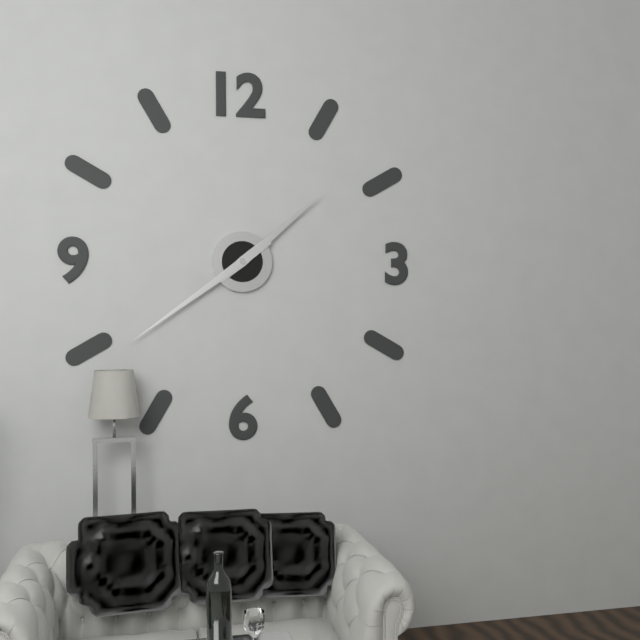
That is 1:39
